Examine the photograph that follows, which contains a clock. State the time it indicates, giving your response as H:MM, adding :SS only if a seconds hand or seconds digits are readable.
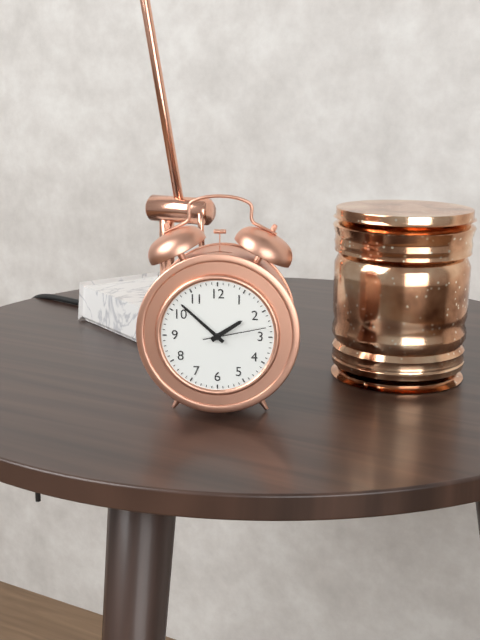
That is 1:52:13
